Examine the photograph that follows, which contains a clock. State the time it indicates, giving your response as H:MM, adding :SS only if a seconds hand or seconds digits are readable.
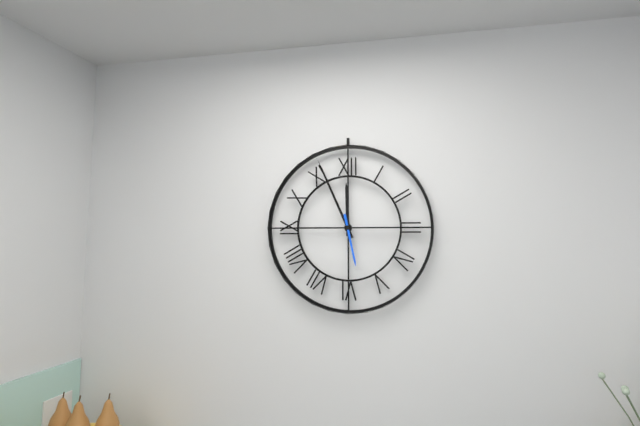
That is 11:56
